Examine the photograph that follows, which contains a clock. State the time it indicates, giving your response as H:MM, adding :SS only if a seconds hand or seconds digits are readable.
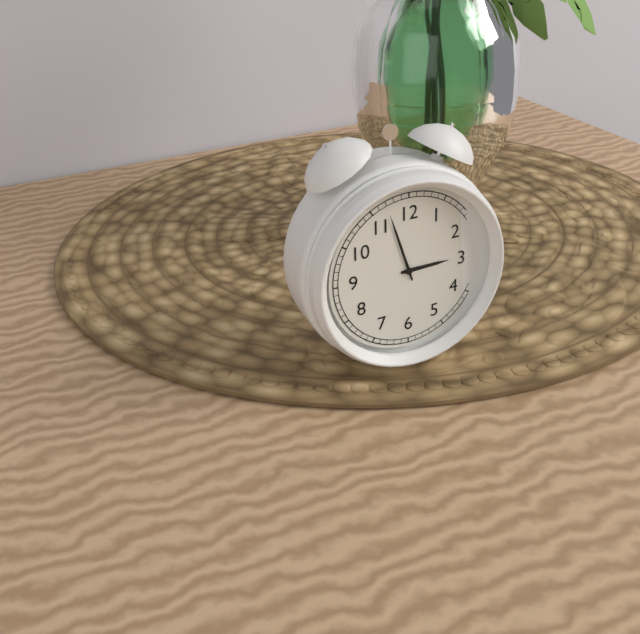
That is 2:57
